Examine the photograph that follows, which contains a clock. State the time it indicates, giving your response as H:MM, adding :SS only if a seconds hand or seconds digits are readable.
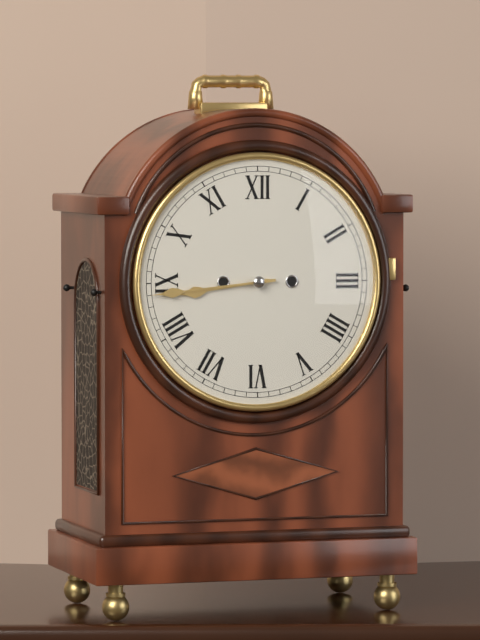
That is 8:44
